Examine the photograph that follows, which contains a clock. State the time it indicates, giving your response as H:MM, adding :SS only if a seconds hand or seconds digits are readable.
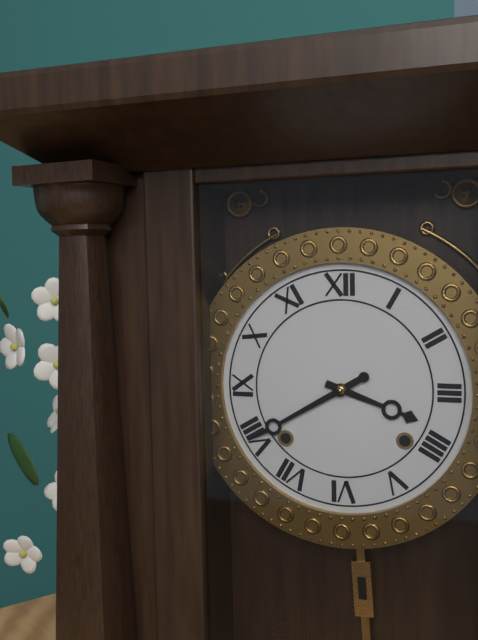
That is 3:40
